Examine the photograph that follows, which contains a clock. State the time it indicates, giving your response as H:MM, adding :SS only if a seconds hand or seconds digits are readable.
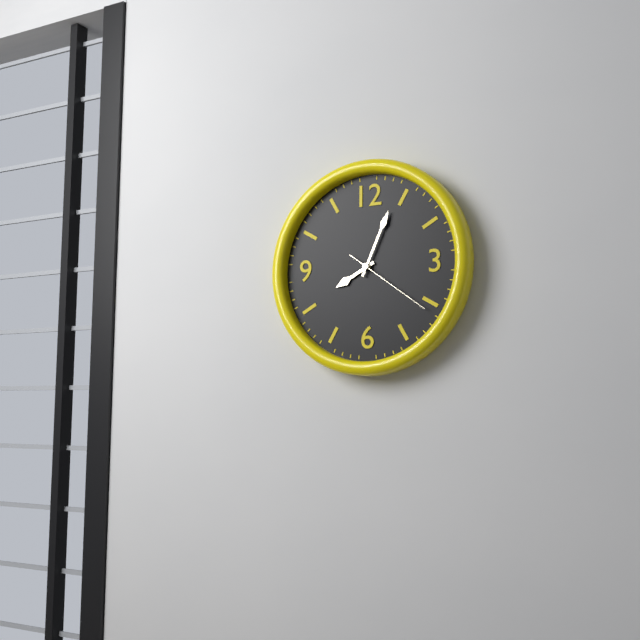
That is 8:04:21
